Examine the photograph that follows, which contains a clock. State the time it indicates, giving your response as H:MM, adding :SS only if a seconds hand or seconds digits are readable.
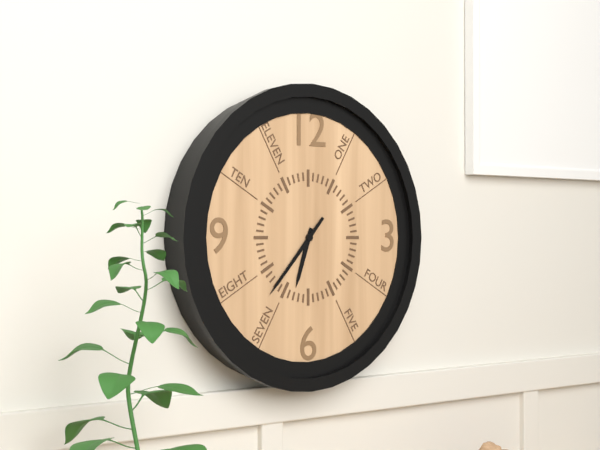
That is 6:37
